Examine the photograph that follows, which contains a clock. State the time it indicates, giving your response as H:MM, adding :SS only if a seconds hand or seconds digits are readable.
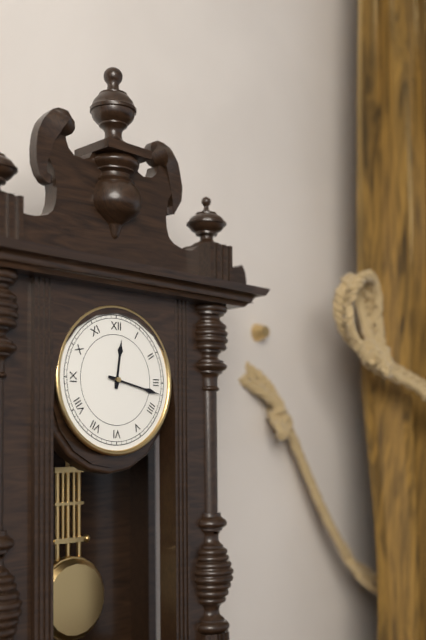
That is 12:17
